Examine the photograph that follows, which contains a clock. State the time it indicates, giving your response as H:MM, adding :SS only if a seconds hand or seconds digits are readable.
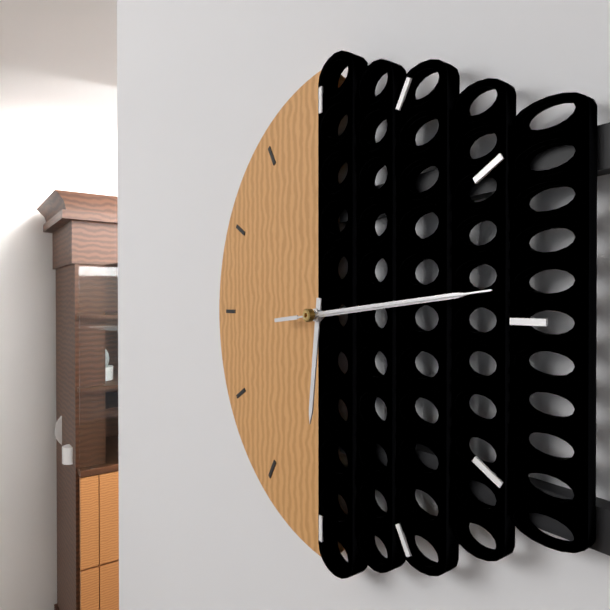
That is 6:14:14
